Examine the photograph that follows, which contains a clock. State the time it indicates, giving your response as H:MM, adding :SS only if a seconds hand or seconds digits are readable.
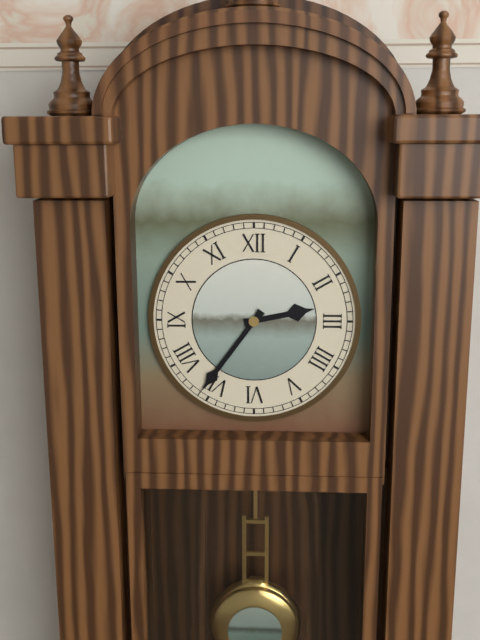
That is 2:36
